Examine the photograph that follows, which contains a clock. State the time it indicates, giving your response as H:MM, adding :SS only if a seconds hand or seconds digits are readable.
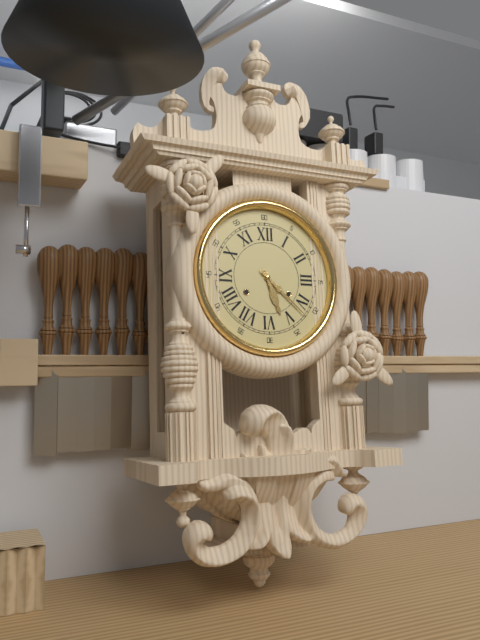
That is 5:22
